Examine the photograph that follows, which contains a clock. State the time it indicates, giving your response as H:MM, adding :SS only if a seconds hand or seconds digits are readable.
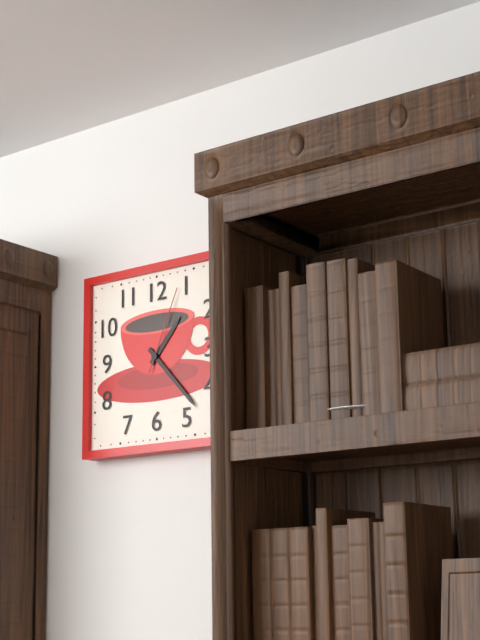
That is 1:23:04
